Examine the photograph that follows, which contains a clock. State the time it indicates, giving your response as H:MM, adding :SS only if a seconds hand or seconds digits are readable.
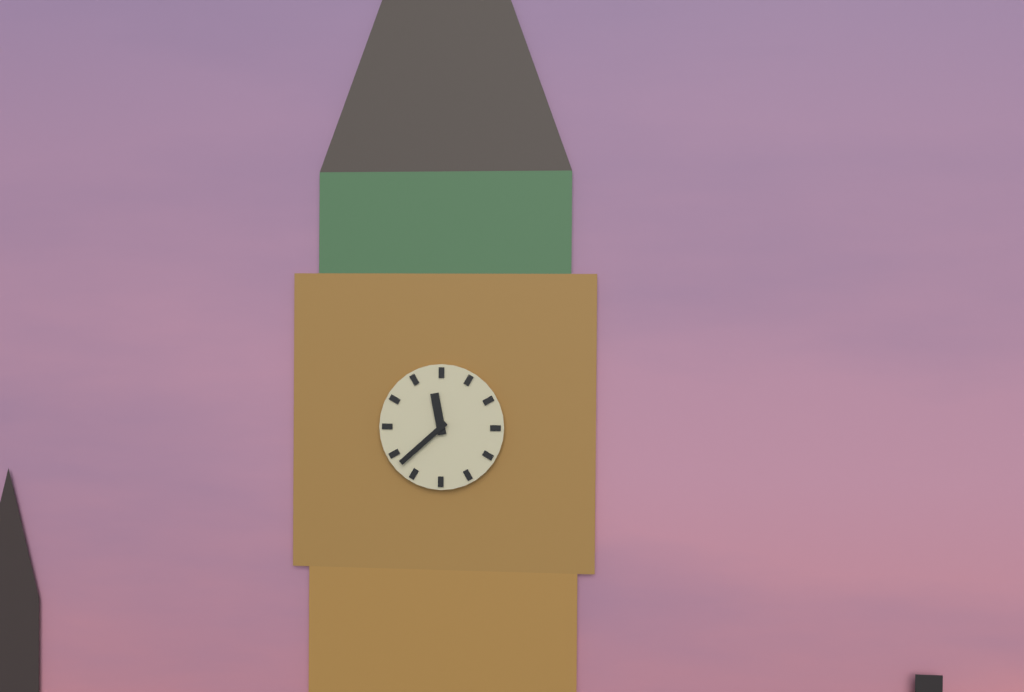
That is 11:38
